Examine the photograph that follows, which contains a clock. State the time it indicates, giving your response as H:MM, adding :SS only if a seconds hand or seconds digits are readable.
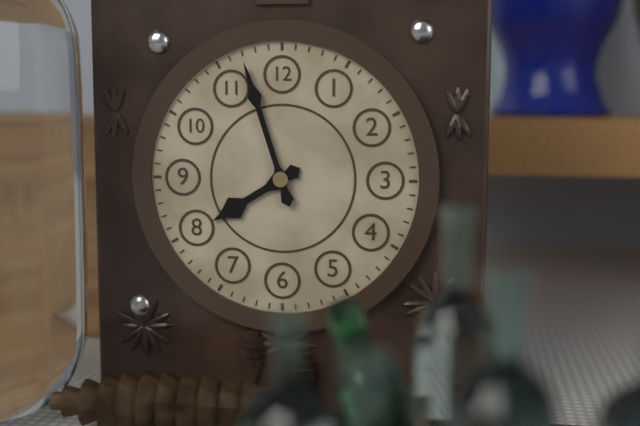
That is 7:57
